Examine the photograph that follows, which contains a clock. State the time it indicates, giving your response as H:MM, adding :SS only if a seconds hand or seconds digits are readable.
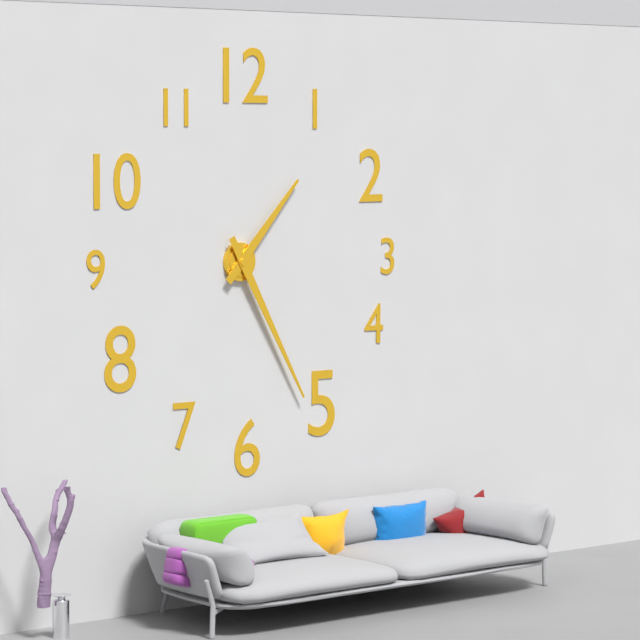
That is 1:25
